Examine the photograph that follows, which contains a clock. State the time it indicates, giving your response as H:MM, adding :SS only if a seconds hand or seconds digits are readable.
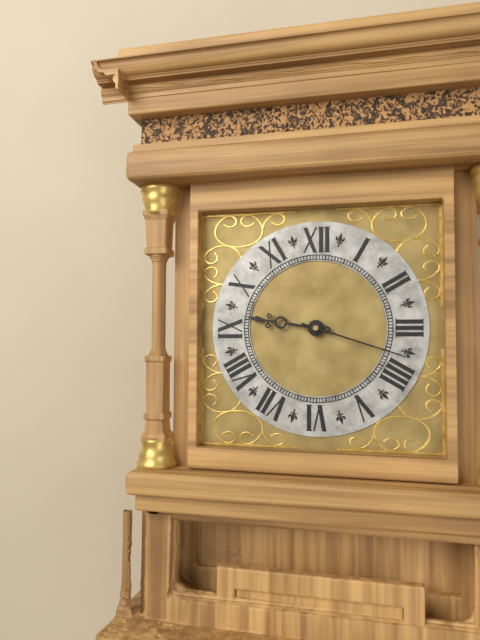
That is 9:18
